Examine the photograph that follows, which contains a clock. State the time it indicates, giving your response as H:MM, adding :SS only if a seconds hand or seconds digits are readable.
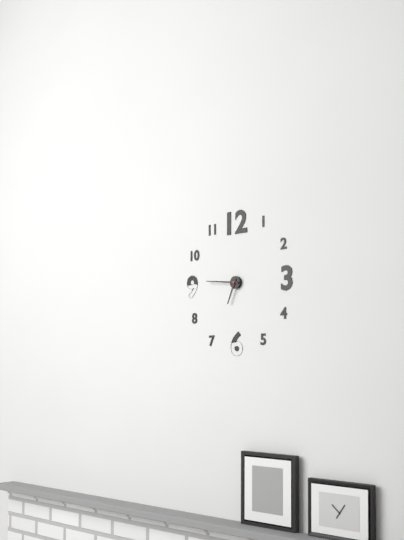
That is 6:46
